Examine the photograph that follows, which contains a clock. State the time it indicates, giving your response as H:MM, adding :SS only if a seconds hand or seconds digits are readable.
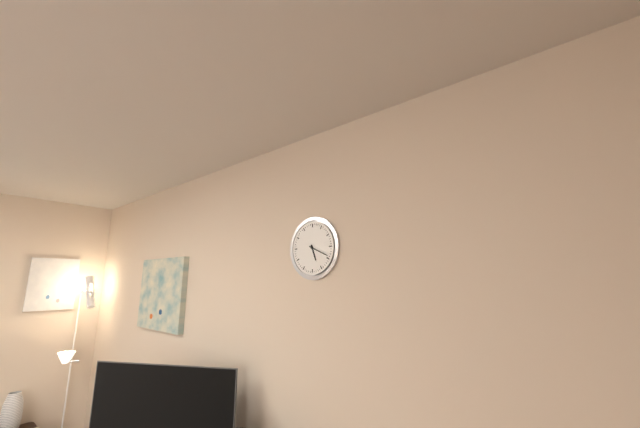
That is 5:19
